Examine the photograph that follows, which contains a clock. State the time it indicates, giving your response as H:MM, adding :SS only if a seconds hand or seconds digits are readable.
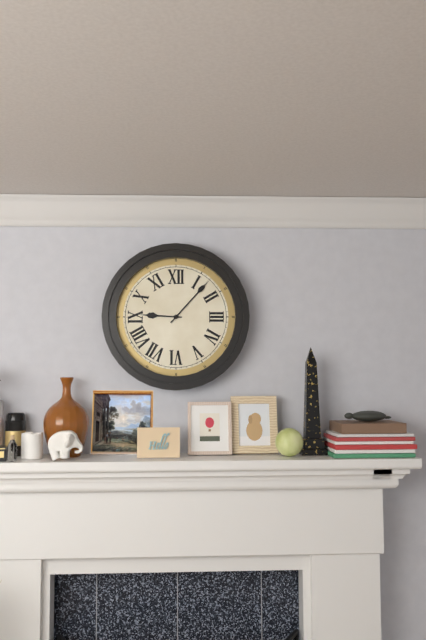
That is 9:07
